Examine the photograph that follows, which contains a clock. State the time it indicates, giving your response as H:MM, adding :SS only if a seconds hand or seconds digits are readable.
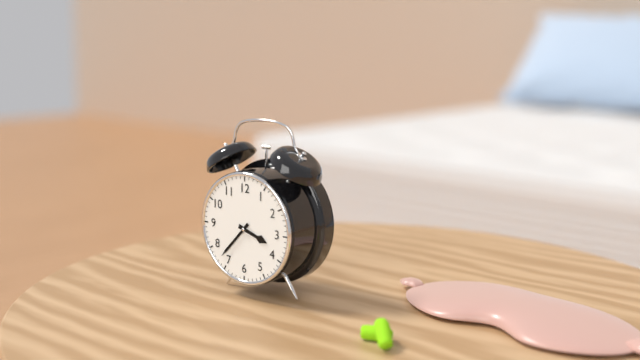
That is 3:37
